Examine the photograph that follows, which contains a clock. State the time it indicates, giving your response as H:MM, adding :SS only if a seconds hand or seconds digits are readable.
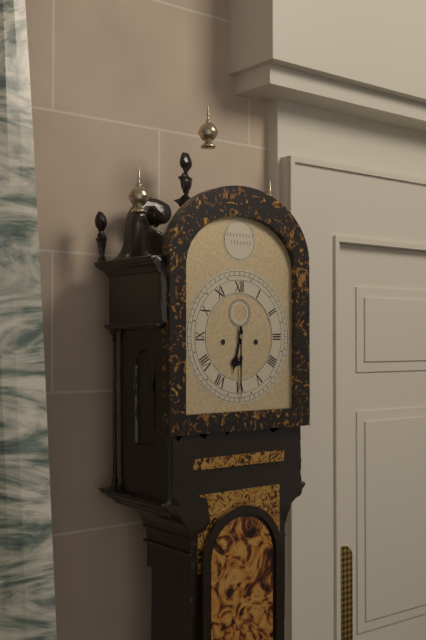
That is 6:30
